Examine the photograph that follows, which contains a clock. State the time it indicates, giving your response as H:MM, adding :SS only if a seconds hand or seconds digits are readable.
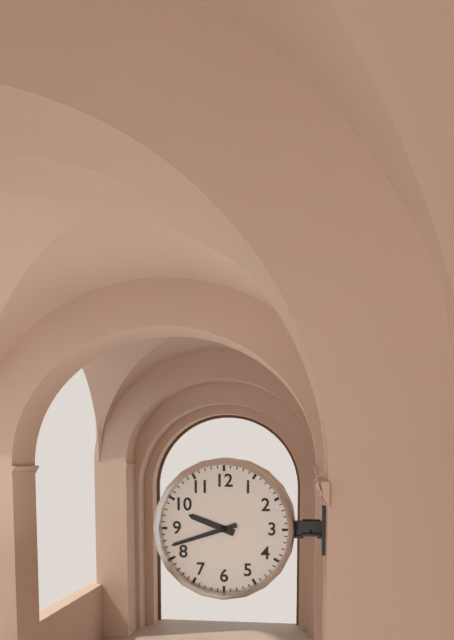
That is 9:42
